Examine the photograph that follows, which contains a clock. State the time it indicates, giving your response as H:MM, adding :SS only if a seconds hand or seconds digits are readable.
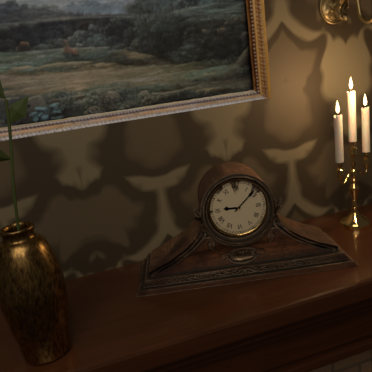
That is 9:08
